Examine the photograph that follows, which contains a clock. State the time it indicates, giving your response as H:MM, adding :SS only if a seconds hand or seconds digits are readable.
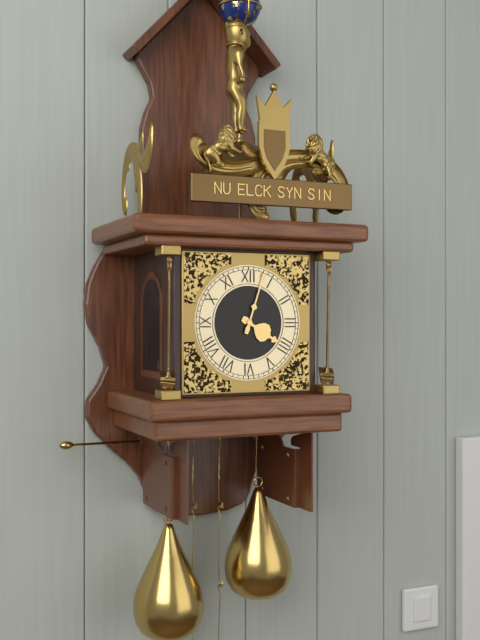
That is 4:03
